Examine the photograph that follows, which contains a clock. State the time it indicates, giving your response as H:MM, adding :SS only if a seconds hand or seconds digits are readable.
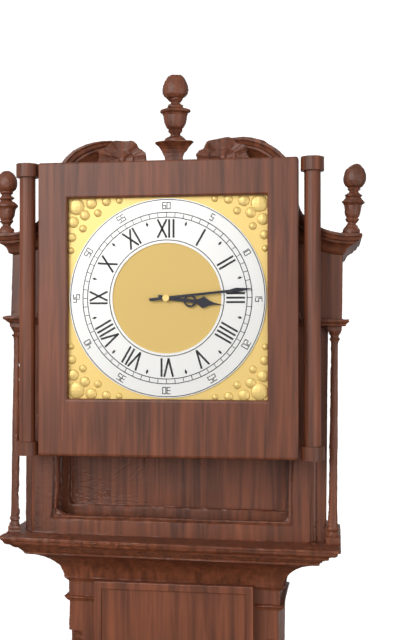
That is 3:14
